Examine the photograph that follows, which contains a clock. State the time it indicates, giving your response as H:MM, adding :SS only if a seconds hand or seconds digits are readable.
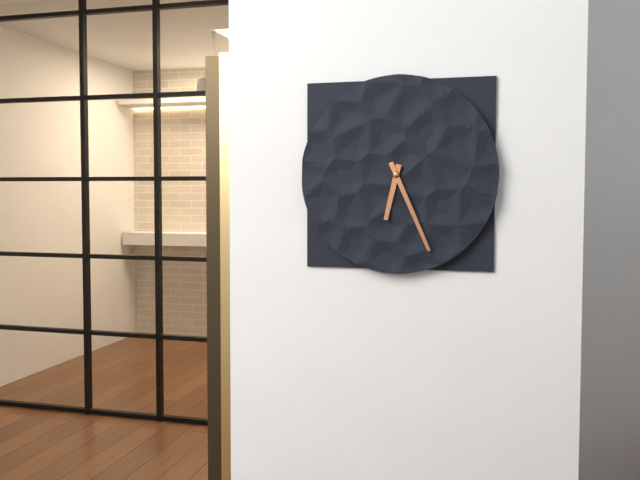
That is 6:26
